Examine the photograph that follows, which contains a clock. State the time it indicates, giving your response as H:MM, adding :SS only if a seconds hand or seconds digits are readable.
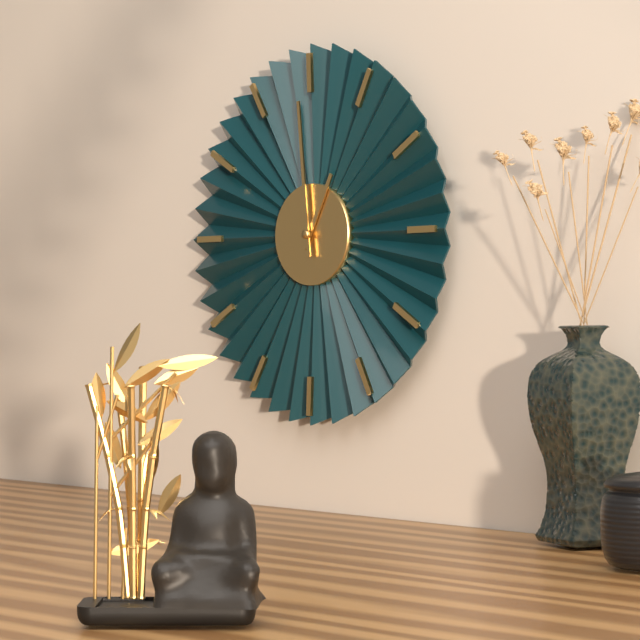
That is 12:59
